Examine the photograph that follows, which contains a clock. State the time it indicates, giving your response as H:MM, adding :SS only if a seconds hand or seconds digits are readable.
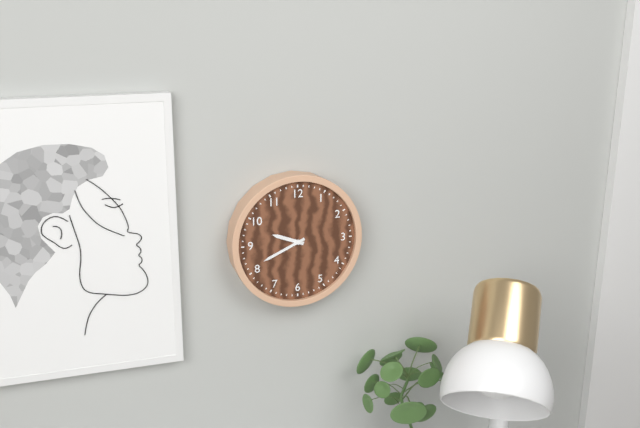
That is 9:41
